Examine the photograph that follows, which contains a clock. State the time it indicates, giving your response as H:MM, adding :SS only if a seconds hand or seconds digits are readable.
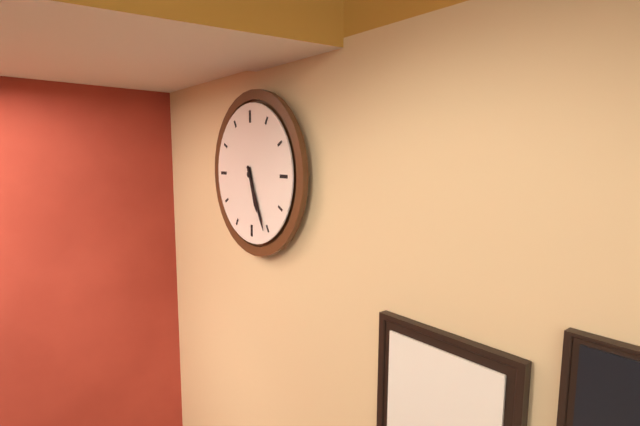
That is 5:26
